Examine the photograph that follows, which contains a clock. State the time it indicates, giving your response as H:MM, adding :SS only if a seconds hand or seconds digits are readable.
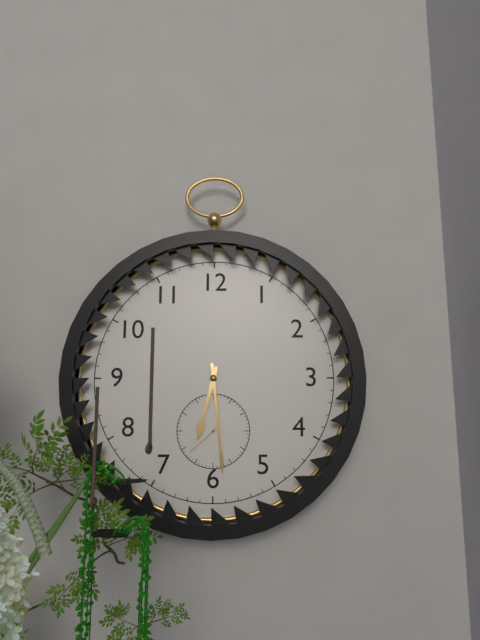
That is 6:29
